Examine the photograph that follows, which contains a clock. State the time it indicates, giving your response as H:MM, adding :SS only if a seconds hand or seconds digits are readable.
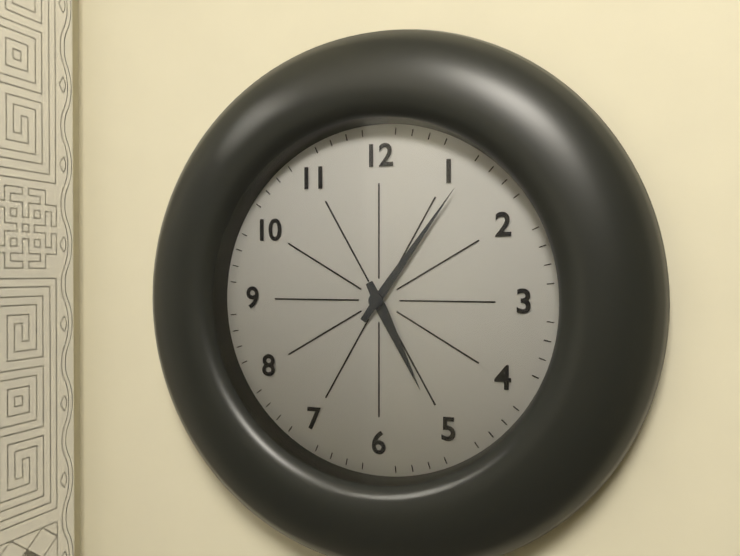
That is 5:06
